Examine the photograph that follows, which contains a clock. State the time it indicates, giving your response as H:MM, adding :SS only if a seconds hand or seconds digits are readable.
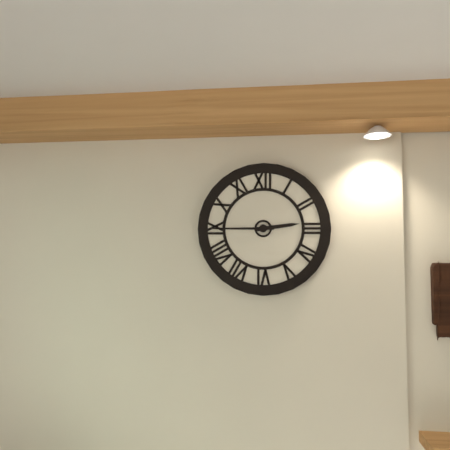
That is 2:45
